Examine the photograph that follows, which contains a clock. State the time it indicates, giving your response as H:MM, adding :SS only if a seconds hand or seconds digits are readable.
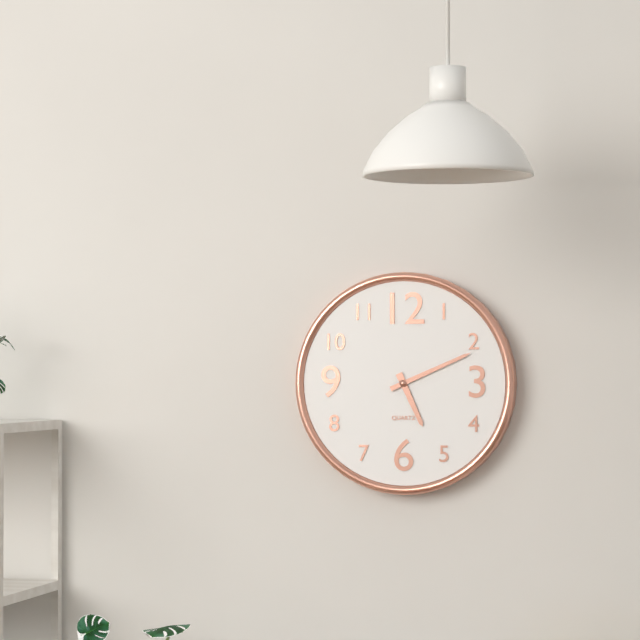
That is 5:11
